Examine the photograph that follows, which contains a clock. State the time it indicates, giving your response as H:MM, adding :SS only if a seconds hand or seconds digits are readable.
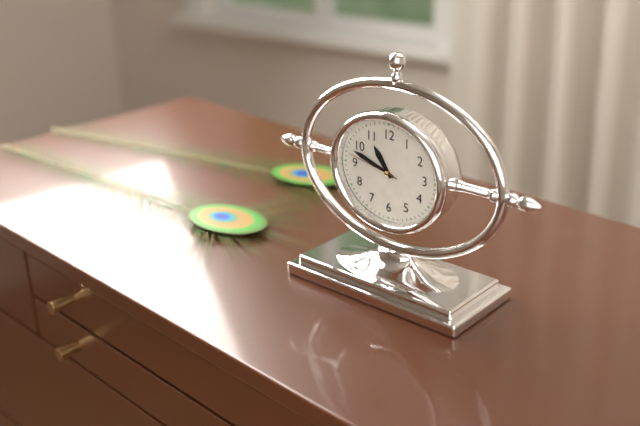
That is 10:48:47
